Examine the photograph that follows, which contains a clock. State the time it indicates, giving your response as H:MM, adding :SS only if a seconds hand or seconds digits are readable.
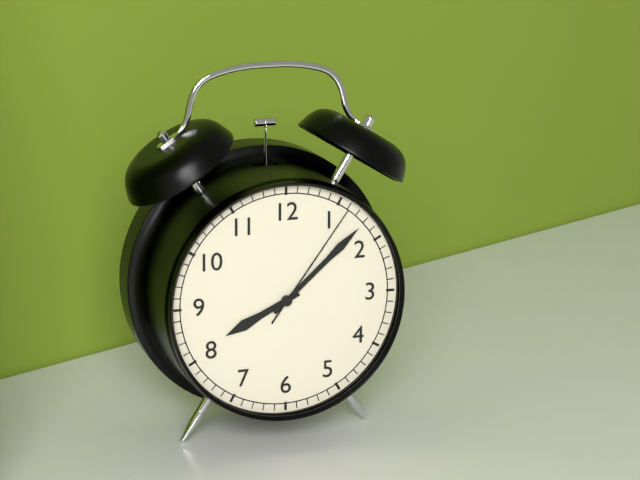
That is 8:08:06
